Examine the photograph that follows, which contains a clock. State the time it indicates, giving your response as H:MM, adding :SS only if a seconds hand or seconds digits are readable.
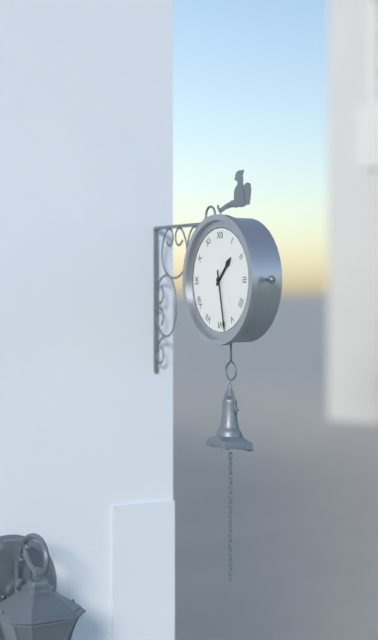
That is 1:28
